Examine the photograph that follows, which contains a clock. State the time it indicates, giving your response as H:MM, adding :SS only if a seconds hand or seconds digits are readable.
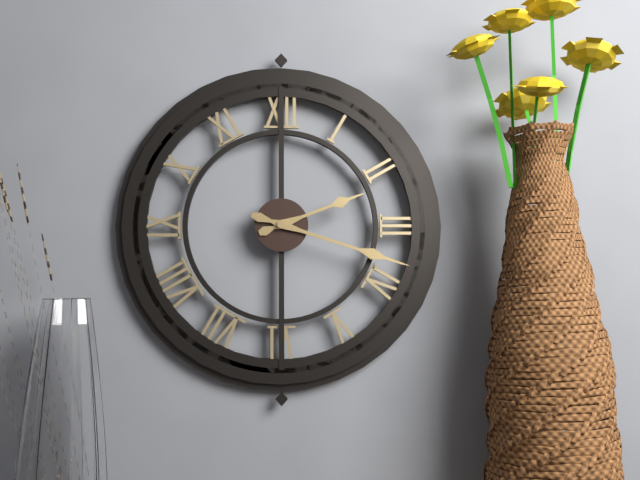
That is 2:18
